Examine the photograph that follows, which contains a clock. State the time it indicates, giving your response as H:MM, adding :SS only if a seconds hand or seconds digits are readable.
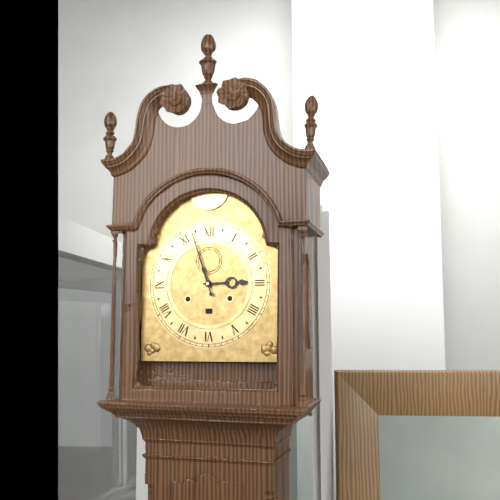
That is 2:57
